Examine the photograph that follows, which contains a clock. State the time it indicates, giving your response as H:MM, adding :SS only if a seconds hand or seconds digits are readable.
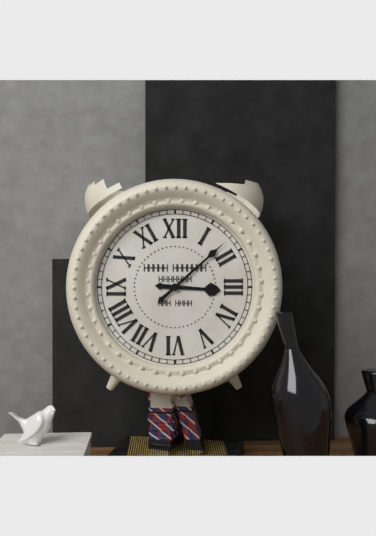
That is 3:08
